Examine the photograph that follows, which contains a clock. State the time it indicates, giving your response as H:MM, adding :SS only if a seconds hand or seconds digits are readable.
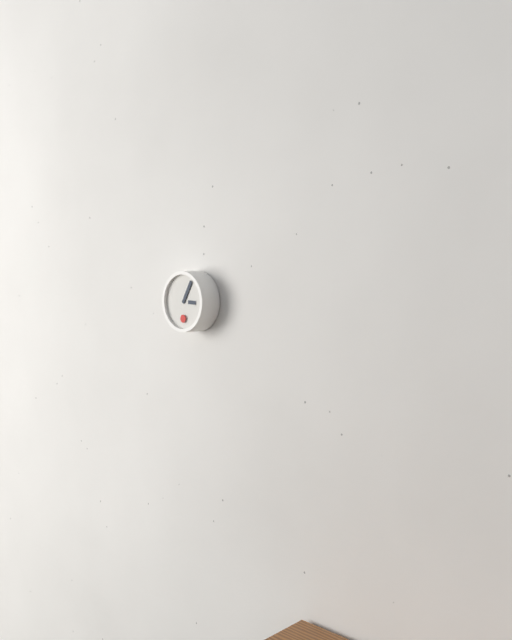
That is 3:05
